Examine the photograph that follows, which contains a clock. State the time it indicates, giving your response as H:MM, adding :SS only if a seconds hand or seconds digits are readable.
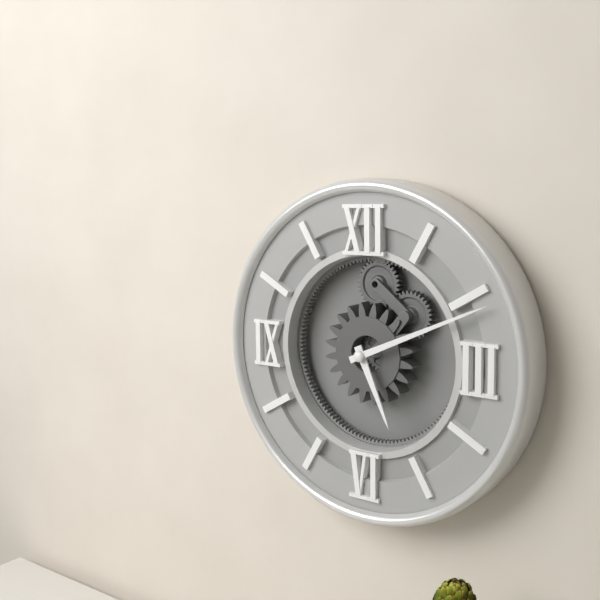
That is 5:11
